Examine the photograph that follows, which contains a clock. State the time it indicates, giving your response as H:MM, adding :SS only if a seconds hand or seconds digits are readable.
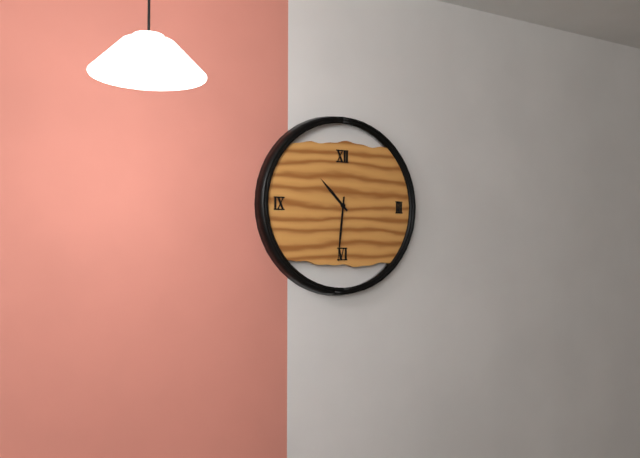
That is 10:31
